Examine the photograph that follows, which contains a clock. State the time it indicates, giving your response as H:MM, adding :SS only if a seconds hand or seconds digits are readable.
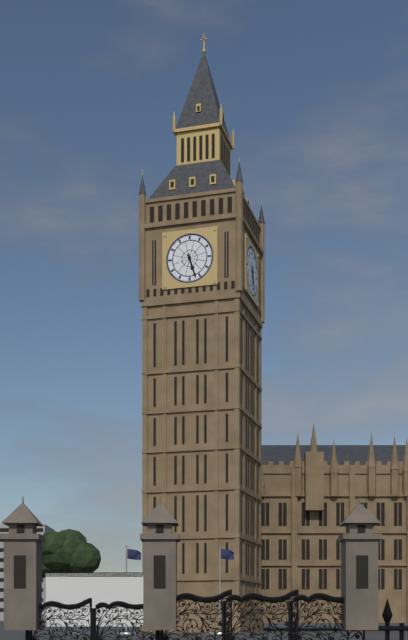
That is 5:27
